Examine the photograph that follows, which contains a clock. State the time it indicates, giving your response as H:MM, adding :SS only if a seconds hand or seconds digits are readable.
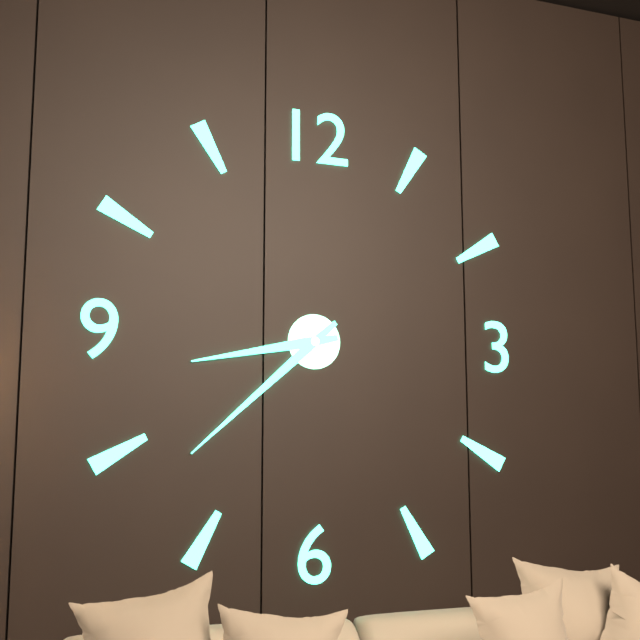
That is 8:38
